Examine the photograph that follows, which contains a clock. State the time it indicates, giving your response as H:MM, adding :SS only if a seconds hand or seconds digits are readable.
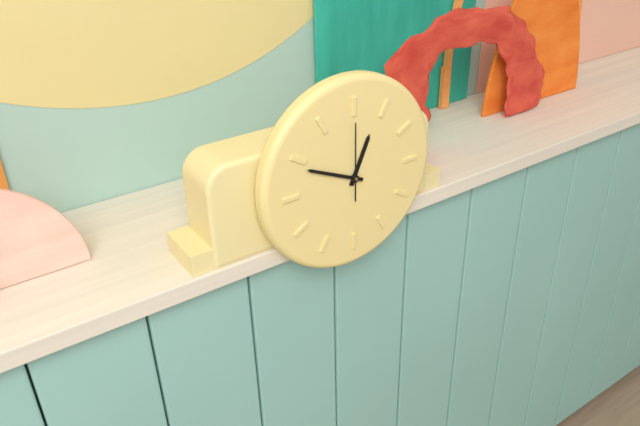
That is 12:49:00
